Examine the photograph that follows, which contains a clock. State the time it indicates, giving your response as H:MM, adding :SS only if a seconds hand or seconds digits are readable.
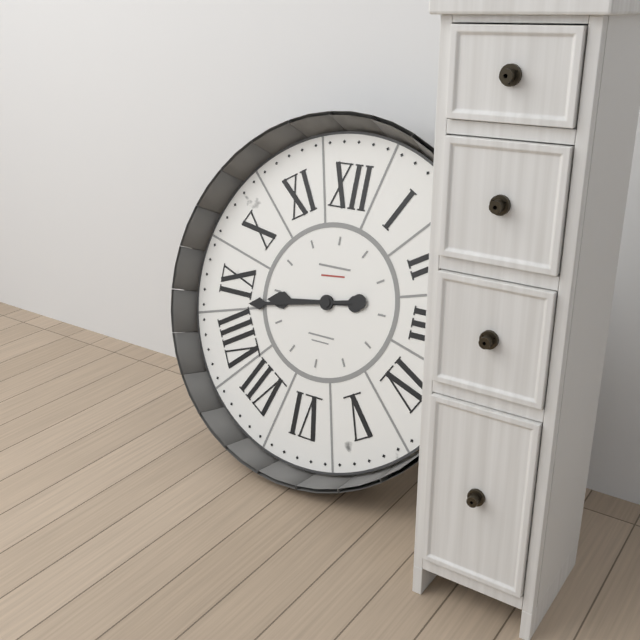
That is 8:43
